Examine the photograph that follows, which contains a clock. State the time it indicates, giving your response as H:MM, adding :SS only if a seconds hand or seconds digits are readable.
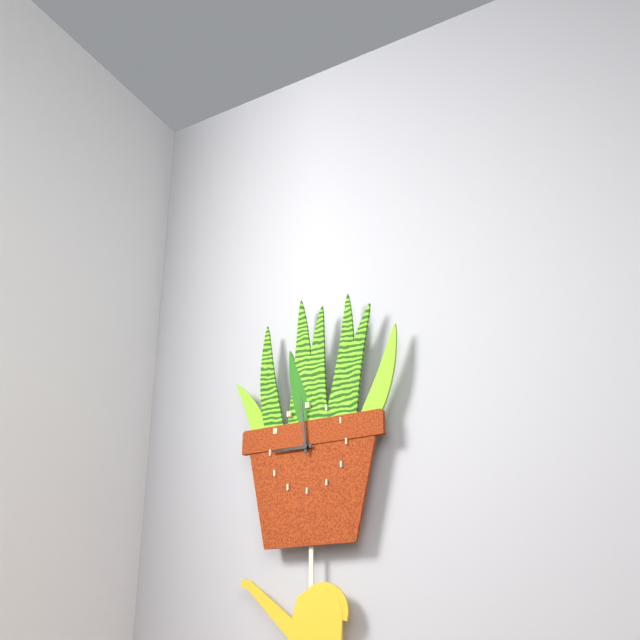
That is 8:59
